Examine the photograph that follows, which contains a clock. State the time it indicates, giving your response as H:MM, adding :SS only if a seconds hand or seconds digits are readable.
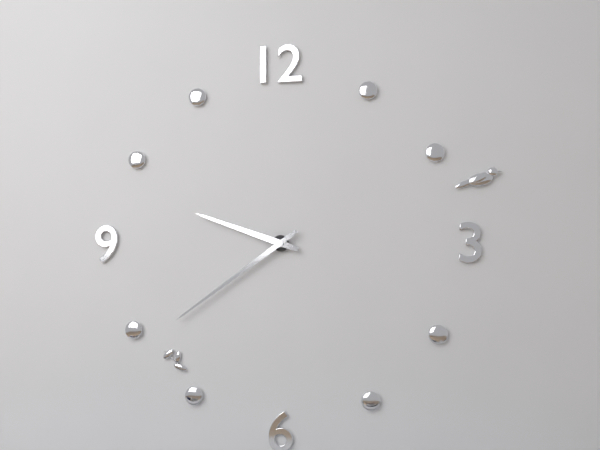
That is 9:39
